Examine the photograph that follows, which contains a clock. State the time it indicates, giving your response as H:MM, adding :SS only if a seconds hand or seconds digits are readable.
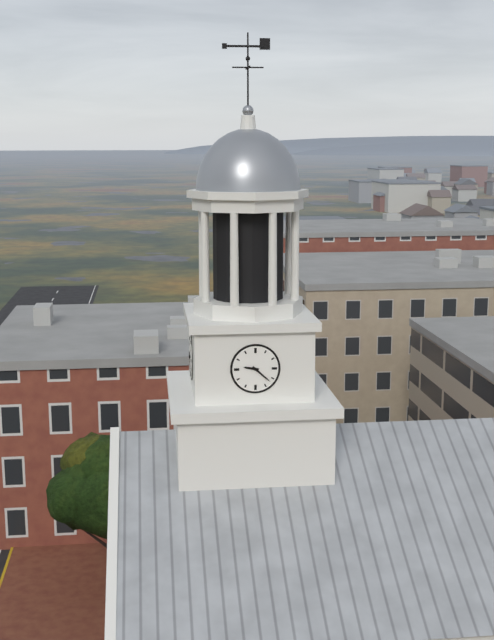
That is 9:22
